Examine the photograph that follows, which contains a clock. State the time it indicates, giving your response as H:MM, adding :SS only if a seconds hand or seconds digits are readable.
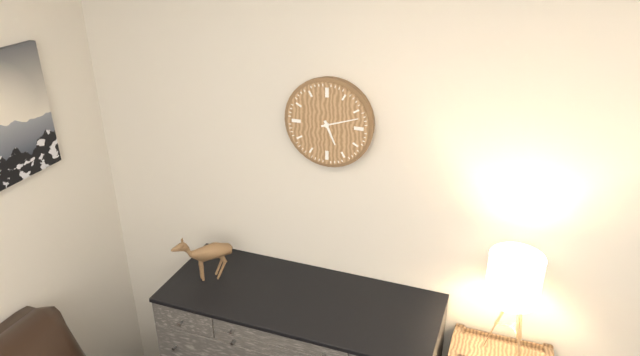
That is 5:12
